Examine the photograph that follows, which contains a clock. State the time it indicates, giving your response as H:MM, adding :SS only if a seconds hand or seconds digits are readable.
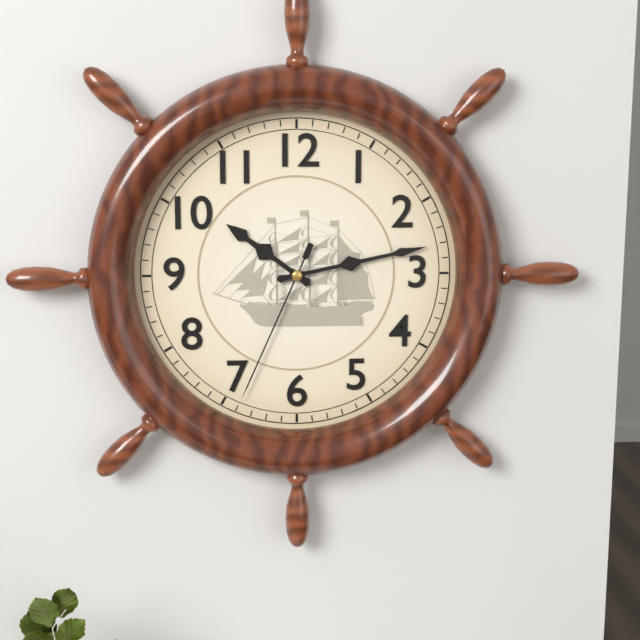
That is 10:13:34
